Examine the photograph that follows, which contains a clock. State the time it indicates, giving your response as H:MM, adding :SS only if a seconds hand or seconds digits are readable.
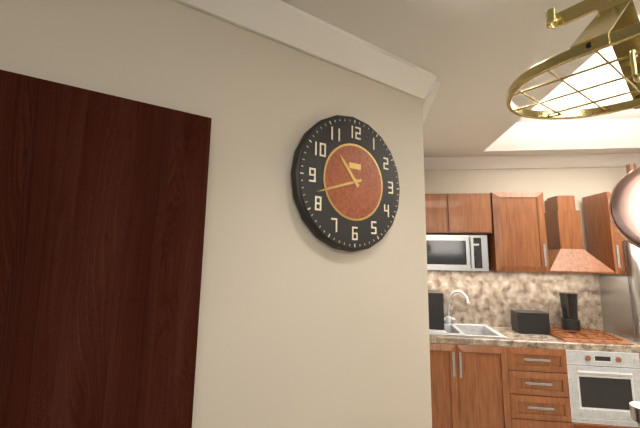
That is 10:42
